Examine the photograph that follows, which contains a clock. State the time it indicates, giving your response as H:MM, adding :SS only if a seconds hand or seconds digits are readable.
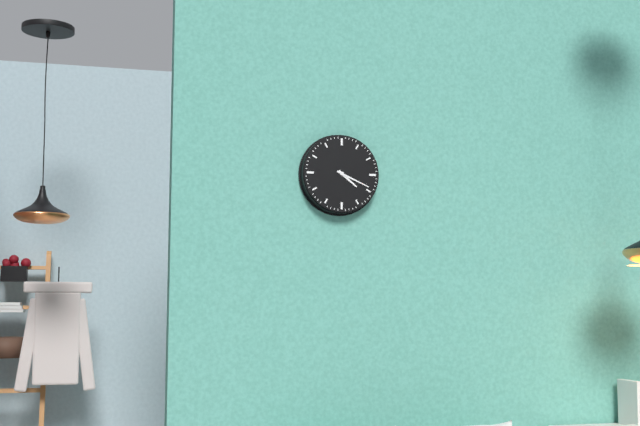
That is 4:19
